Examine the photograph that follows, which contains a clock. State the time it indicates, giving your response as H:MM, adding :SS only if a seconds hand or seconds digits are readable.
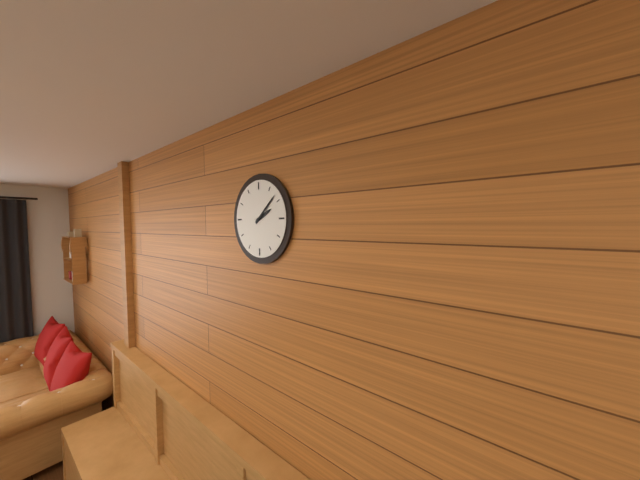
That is 2:08
